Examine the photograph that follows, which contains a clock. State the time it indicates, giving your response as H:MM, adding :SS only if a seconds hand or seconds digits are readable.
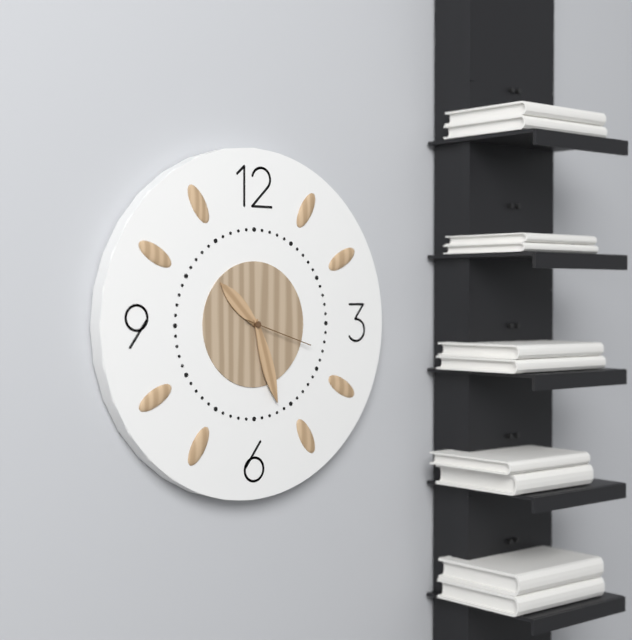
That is 10:27:18
